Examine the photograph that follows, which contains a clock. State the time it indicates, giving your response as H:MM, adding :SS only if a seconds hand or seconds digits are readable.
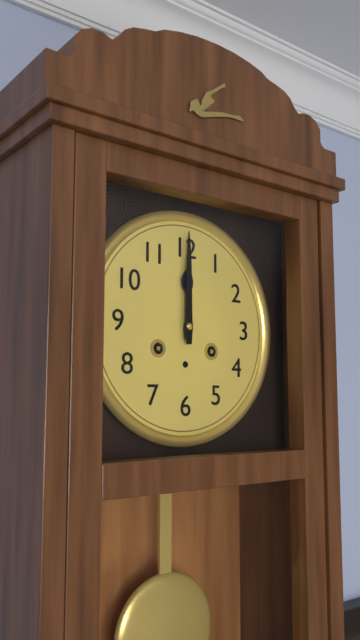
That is 12:00
